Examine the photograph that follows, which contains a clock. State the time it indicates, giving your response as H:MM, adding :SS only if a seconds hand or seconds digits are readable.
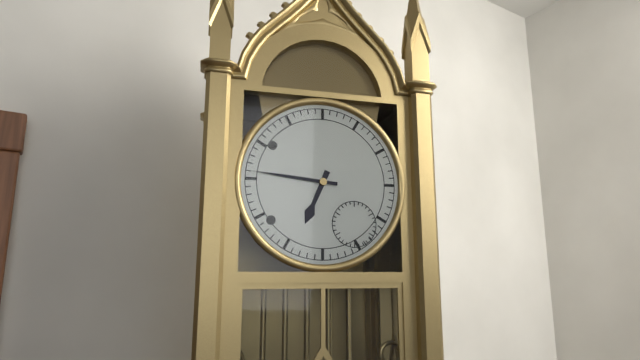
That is 6:46
